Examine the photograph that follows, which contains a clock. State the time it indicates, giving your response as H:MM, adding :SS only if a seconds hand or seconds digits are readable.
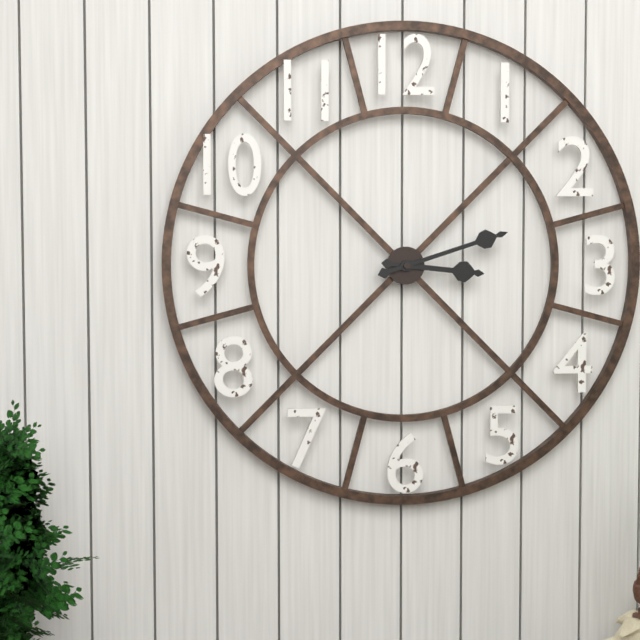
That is 3:12
